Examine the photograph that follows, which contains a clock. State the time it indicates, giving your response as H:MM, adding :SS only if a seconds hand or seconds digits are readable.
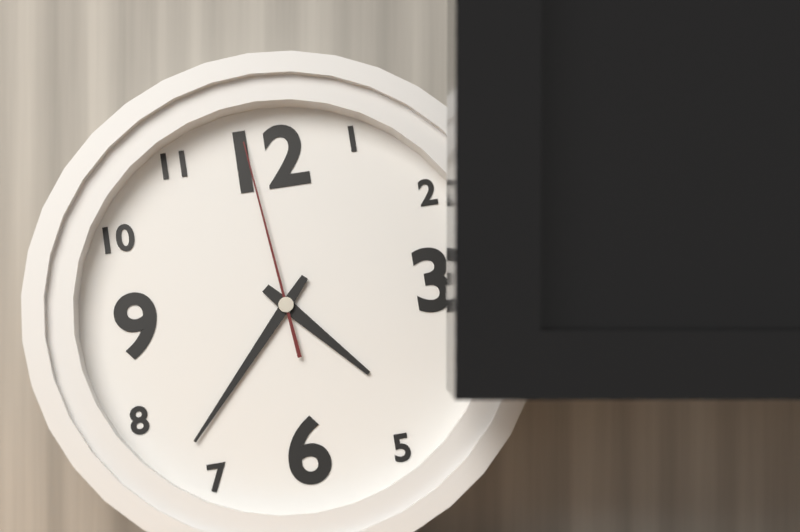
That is 4:37:59
